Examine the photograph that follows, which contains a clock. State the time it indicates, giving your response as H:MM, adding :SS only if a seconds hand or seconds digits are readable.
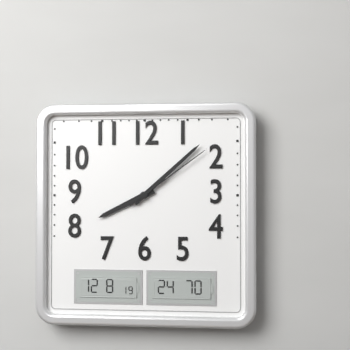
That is 8:08:09
